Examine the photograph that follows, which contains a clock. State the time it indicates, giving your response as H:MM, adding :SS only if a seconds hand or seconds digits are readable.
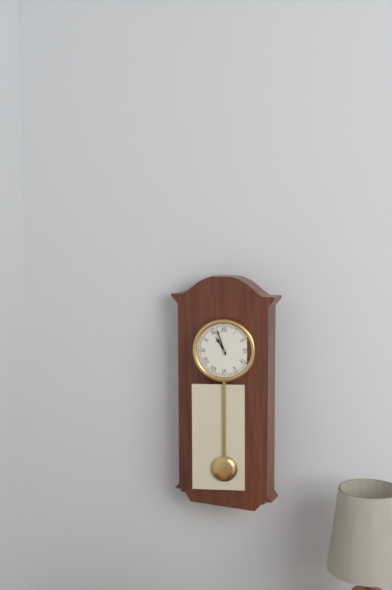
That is 10:57
